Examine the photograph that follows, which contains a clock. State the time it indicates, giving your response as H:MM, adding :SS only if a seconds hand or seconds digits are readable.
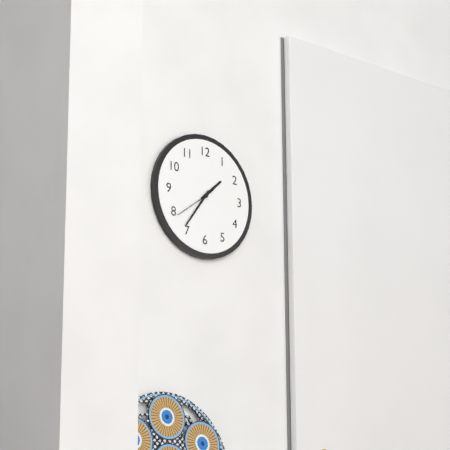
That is 1:36
